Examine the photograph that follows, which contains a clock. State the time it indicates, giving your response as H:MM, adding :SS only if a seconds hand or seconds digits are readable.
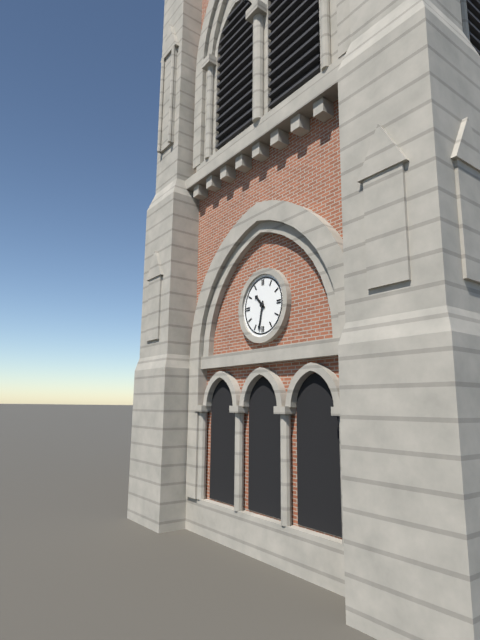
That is 10:32
